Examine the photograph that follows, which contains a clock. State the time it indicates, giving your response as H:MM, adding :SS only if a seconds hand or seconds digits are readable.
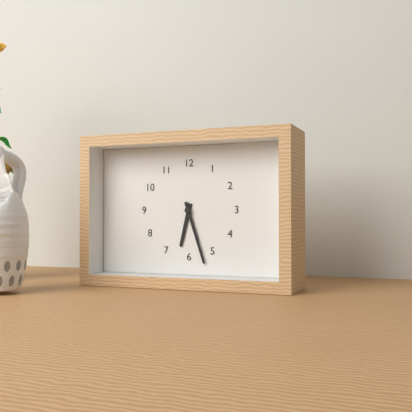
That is 6:27
